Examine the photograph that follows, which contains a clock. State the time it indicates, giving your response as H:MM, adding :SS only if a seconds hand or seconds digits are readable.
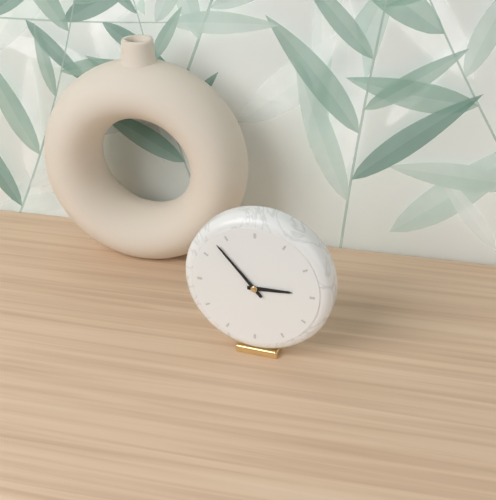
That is 2:53
